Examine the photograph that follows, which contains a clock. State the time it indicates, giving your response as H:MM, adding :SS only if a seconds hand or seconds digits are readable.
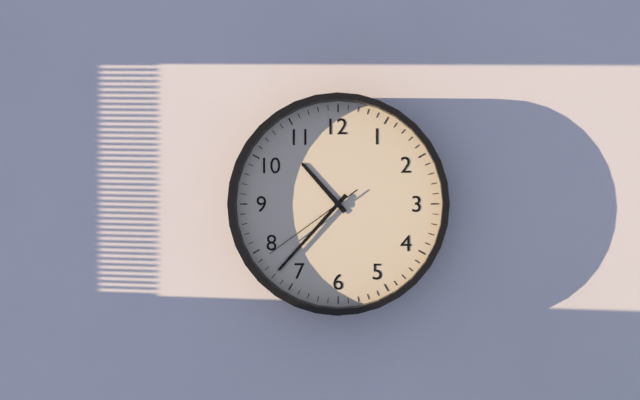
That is 10:37:39
